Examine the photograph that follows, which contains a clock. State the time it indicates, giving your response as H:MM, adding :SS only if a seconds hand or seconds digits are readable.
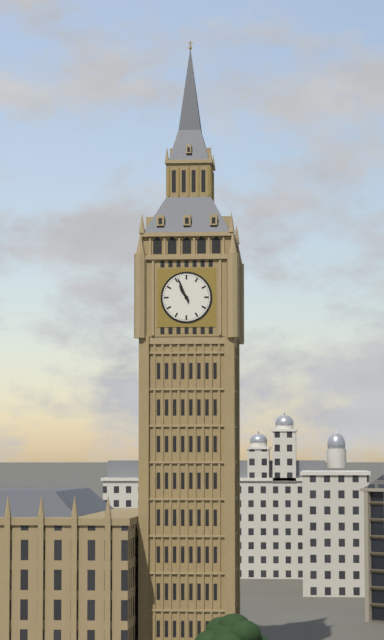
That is 10:56
